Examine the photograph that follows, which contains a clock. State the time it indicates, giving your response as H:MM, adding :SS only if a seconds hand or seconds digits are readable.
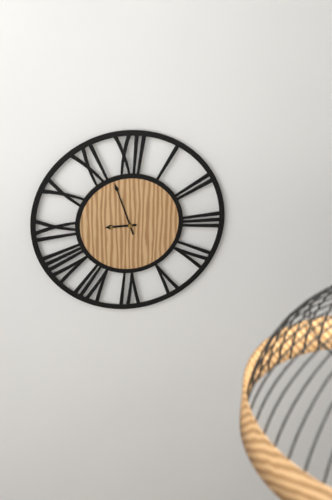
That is 8:57
